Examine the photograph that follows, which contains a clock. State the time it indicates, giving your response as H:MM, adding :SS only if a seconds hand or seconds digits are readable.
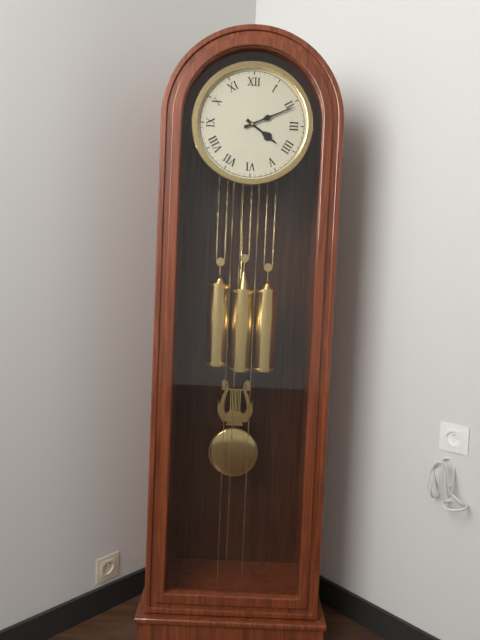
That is 4:11
